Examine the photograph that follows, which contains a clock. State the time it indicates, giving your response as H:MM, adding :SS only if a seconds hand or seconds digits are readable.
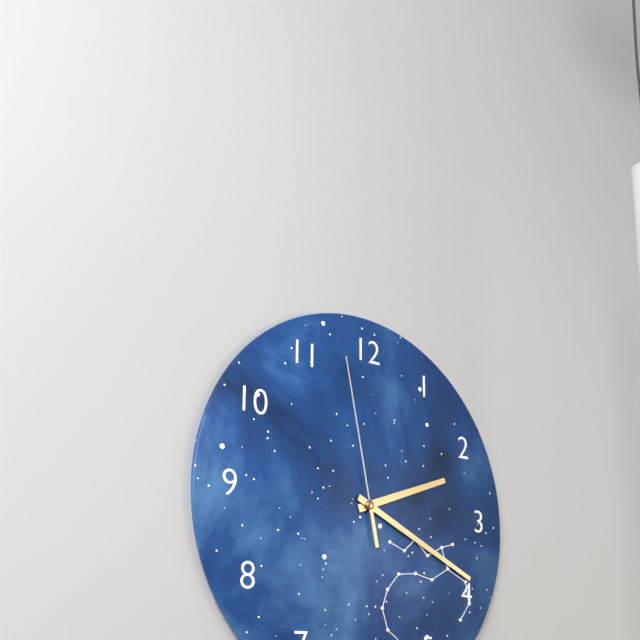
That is 2:19:58
